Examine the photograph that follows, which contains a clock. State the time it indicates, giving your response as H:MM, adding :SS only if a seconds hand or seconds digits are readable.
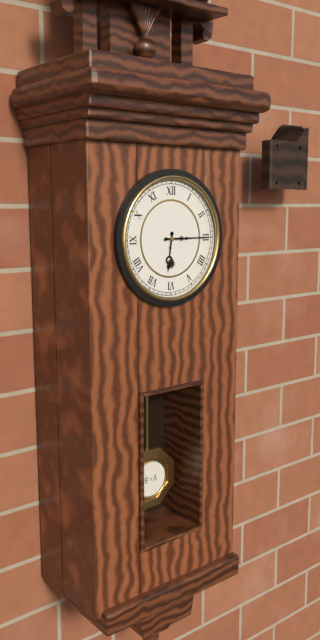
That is 6:15
